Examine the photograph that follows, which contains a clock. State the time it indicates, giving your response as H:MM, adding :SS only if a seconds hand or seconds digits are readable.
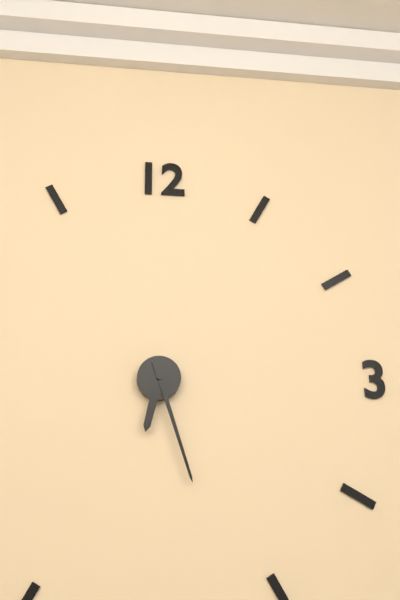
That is 6:27
